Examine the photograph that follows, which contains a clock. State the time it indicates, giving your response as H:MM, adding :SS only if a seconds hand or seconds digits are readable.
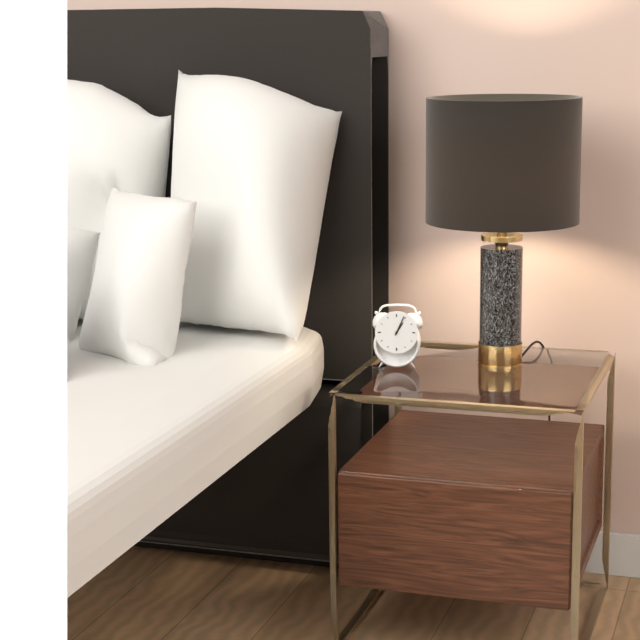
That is 1:04
